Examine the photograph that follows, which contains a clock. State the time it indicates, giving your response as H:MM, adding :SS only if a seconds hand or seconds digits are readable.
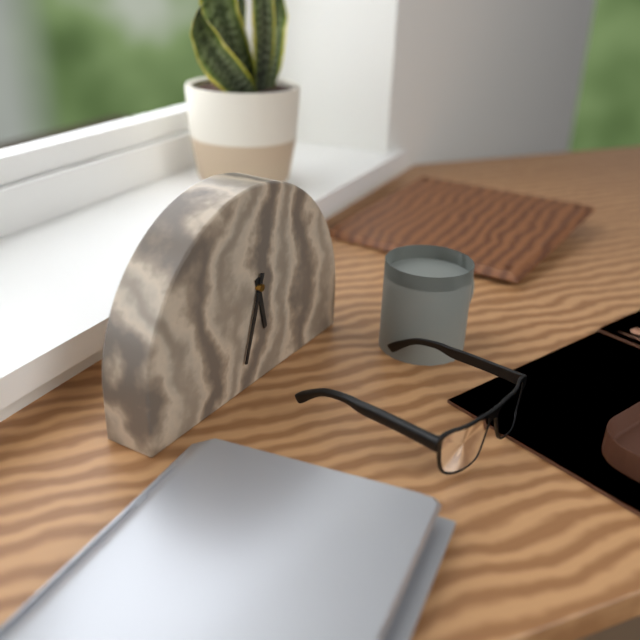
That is 5:33
